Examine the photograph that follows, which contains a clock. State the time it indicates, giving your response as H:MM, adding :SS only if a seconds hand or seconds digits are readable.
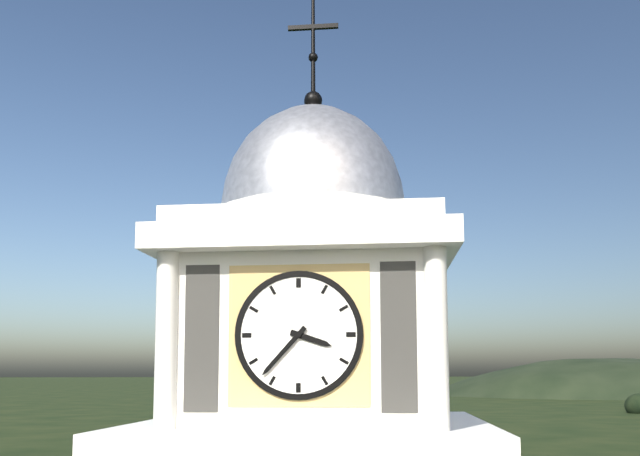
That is 3:37
